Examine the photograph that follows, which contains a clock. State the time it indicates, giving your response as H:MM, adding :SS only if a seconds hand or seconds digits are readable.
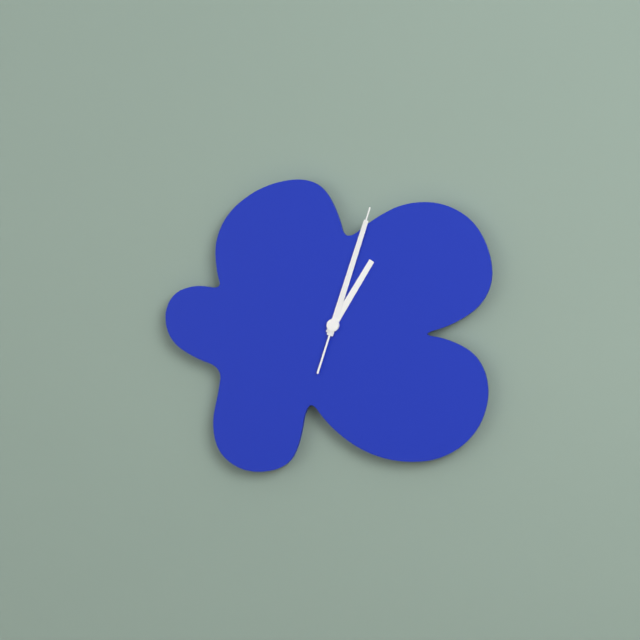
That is 1:03:03
